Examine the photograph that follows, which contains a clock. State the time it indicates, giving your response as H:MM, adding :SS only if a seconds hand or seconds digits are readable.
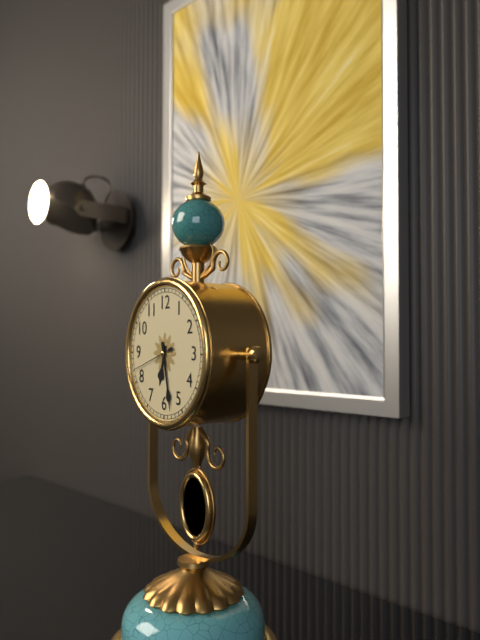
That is 6:28
